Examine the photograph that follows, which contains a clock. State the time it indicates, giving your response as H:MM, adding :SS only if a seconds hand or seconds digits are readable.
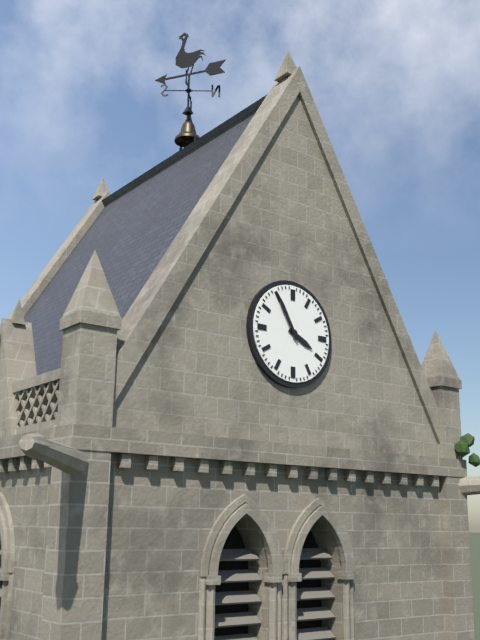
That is 3:55
